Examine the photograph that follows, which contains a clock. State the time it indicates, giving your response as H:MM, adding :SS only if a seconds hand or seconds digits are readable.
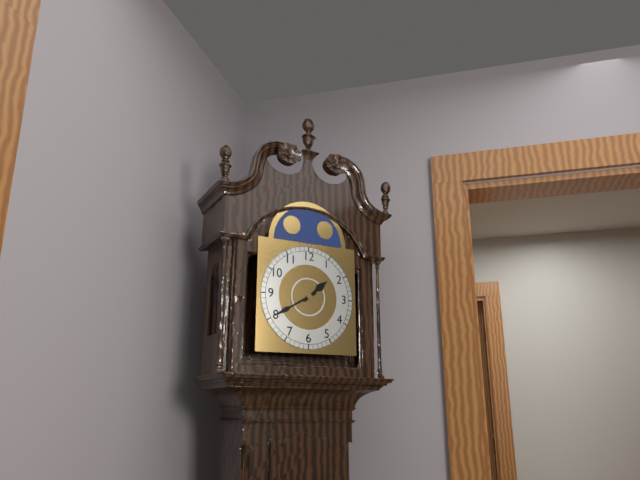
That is 1:40
